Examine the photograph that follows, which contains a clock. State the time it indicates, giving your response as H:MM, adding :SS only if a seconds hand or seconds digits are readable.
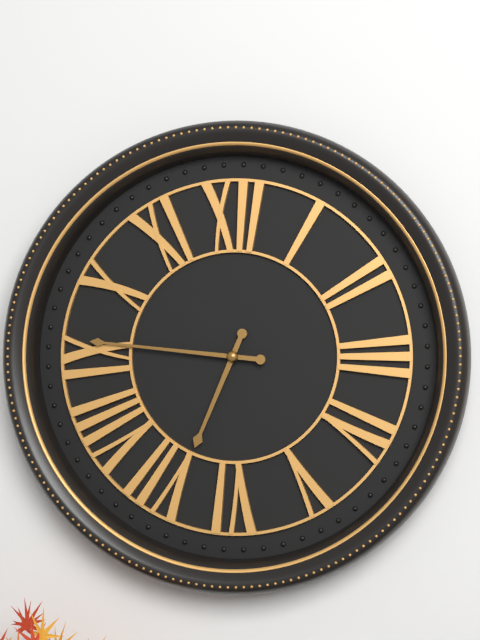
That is 6:46
